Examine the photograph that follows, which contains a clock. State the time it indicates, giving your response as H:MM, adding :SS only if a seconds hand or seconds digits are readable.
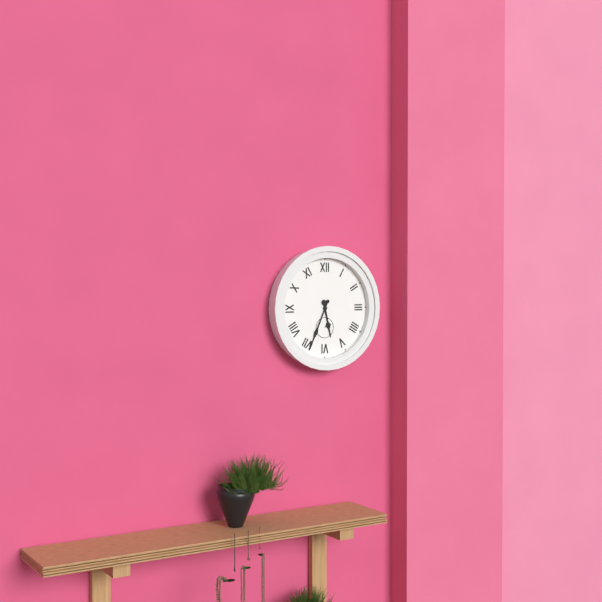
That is 5:34
